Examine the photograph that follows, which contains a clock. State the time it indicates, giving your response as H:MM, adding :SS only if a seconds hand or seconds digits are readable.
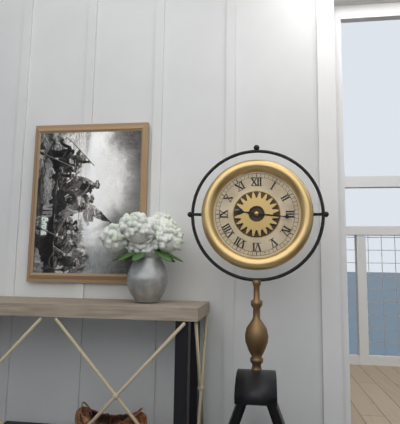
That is 9:16
